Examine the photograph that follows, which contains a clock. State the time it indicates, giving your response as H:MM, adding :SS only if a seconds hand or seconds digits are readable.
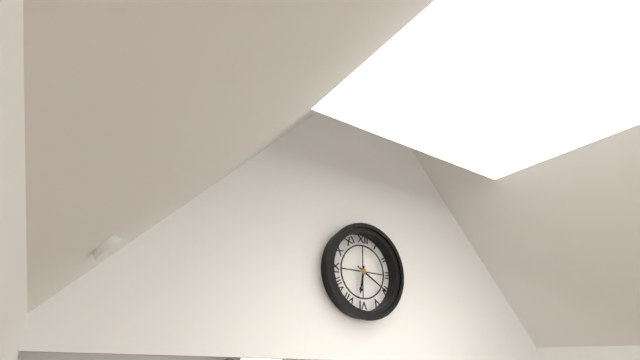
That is 6:20
